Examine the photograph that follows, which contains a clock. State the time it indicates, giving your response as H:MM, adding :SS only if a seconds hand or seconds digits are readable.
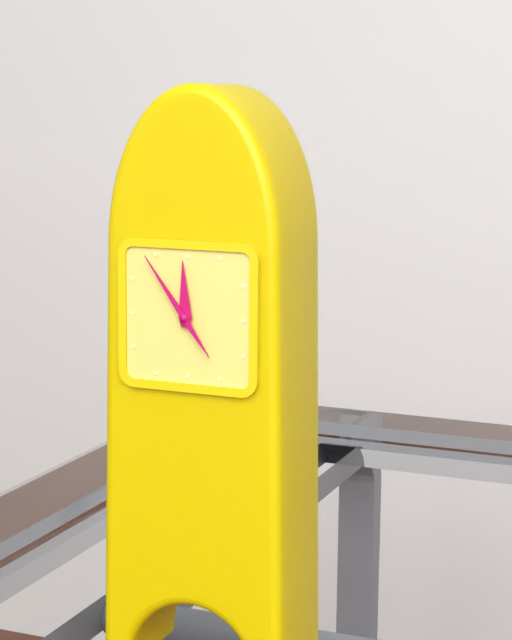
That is 11:54
